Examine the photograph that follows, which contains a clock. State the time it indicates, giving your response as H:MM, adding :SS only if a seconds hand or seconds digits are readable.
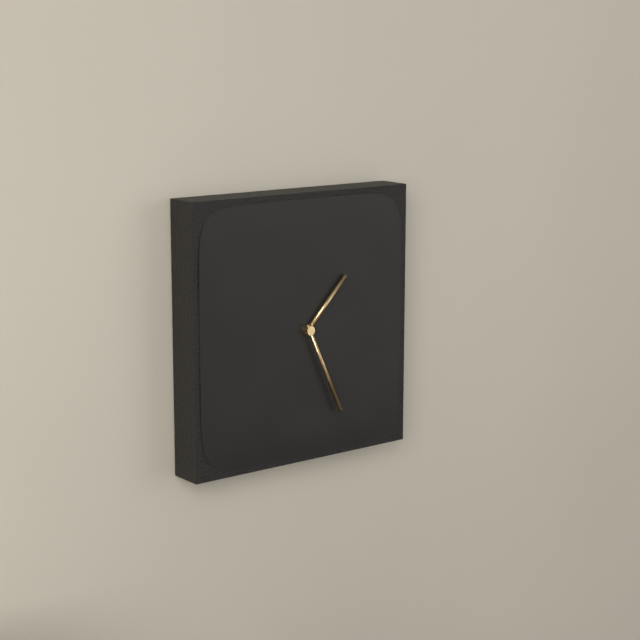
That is 1:26
